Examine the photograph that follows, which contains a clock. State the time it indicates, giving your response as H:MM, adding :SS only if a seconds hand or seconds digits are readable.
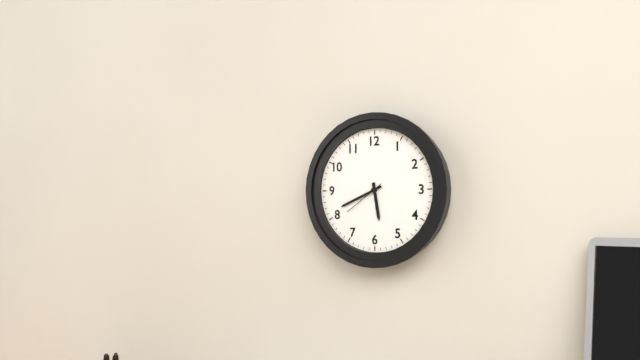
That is 5:41
